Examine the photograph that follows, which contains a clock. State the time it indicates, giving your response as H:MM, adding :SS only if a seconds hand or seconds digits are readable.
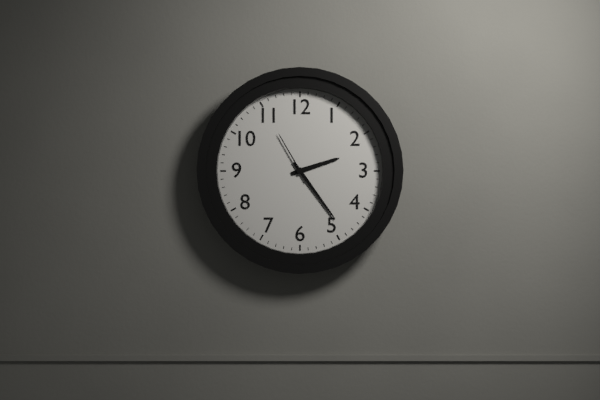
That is 2:24:55
